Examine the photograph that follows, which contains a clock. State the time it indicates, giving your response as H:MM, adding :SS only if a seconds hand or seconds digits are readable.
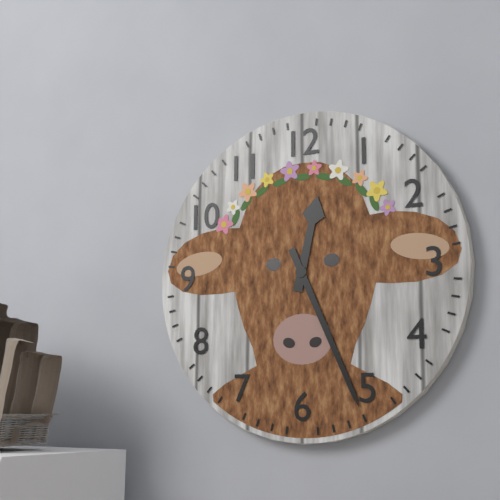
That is 12:26
